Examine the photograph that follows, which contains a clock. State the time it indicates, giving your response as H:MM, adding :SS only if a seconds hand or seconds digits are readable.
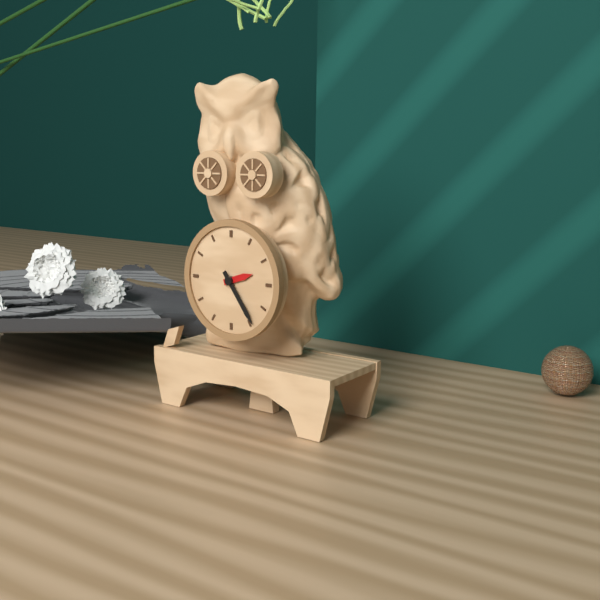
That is 2:24
